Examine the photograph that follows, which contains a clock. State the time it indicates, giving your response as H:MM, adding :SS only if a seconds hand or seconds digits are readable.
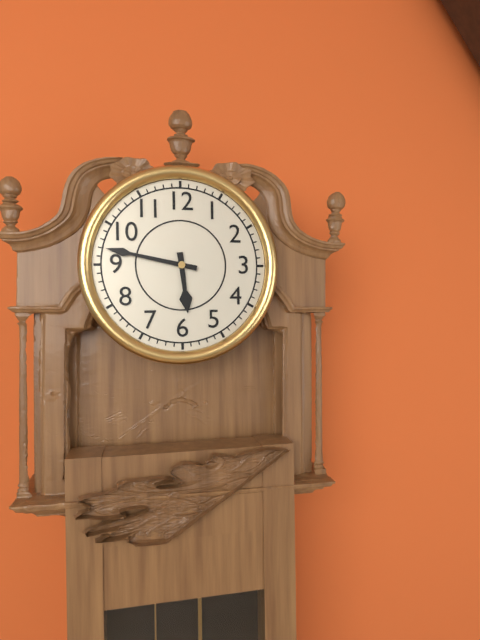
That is 5:47
